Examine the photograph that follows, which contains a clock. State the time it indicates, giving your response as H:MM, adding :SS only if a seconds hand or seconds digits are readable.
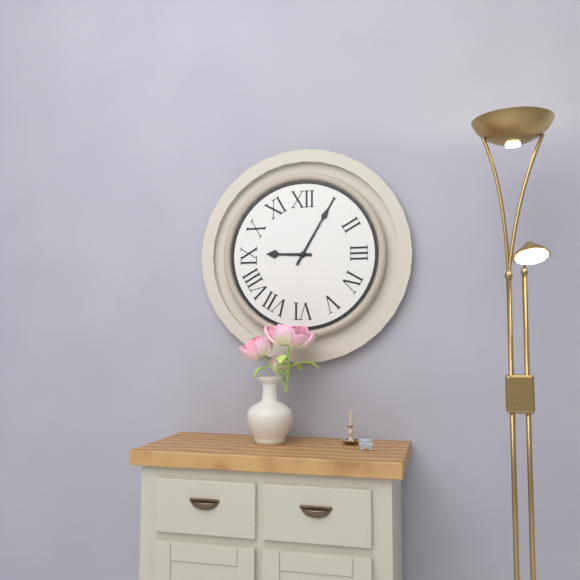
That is 9:05
